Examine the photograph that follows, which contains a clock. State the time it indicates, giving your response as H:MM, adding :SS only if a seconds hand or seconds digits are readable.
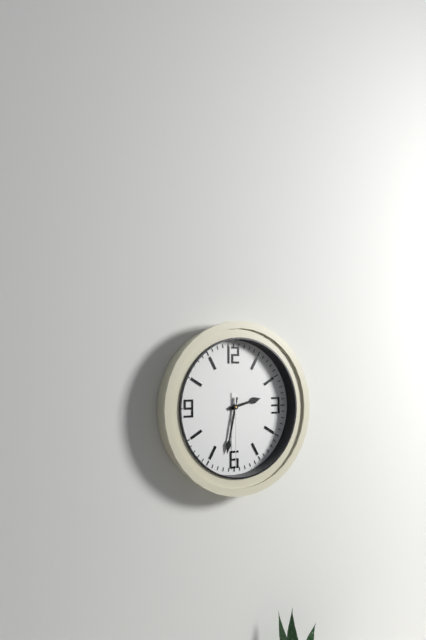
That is 2:32:30
